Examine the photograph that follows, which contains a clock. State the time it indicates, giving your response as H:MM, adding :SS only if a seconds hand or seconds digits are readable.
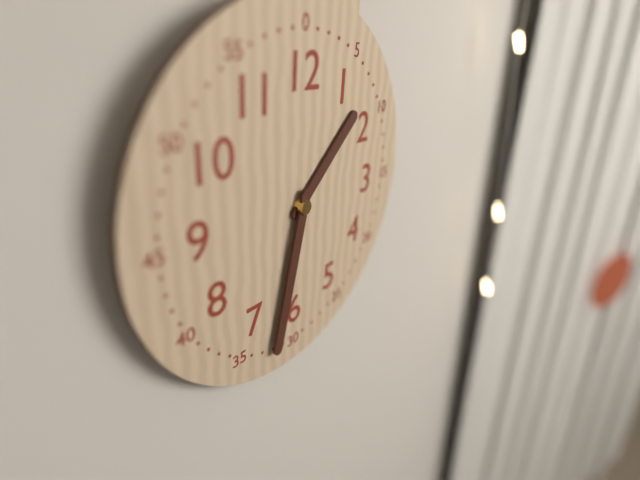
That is 1:32
